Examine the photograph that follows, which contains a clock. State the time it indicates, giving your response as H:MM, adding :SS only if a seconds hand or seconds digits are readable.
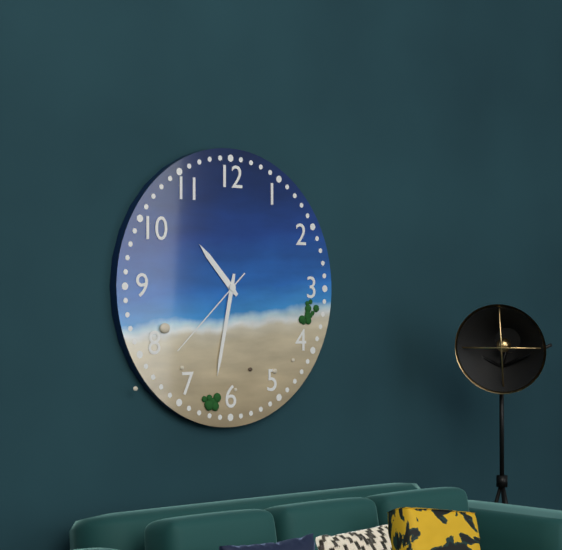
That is 10:32:38
